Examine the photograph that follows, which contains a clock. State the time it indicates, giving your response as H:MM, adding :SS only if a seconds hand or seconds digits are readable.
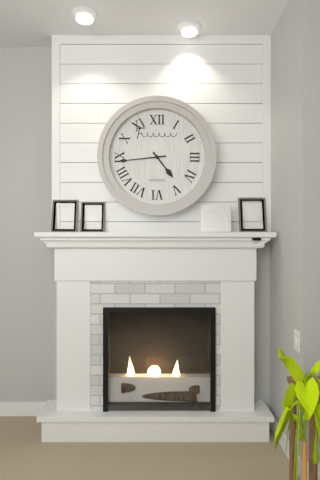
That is 4:44
